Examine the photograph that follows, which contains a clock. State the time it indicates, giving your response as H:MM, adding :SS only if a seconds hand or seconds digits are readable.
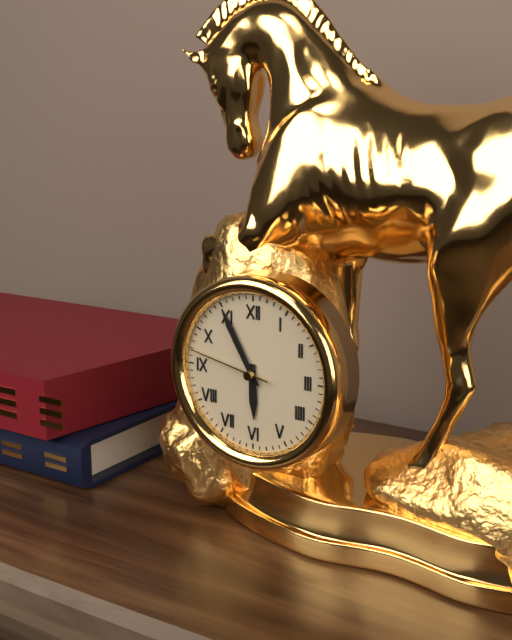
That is 5:55:47
